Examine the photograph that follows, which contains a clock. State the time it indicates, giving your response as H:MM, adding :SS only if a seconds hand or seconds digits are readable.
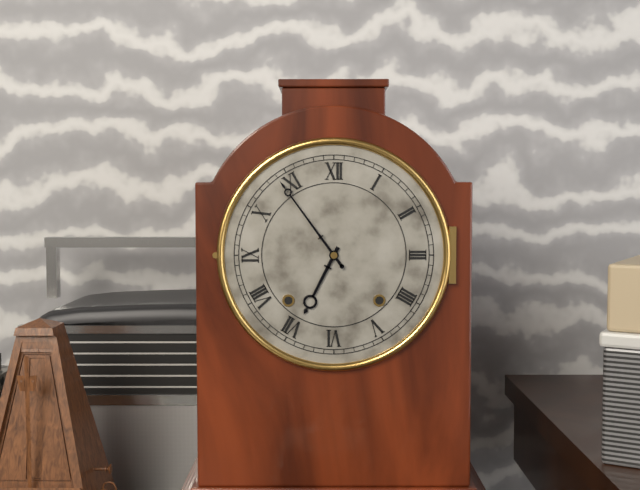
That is 6:54
